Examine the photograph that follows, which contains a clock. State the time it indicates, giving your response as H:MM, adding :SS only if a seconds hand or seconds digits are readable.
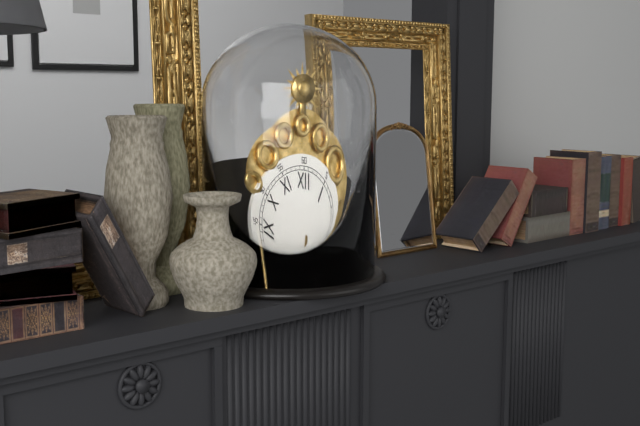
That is 6:33
